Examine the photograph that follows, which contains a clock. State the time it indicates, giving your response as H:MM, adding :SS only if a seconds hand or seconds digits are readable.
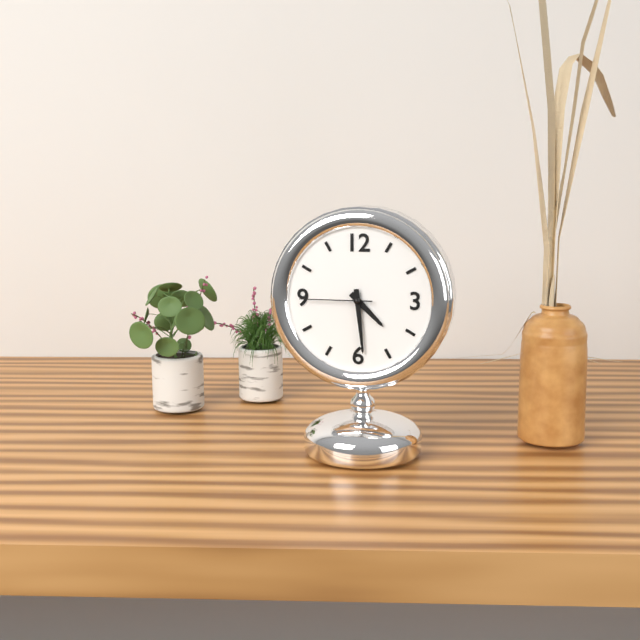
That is 4:29:45
